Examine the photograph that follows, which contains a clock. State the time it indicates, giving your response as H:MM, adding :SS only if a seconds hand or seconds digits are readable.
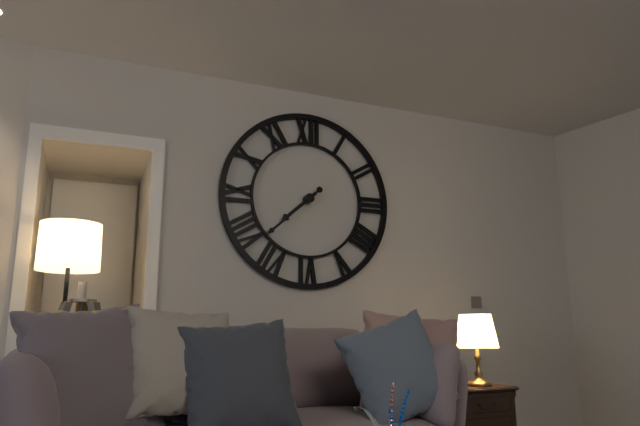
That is 7:38
